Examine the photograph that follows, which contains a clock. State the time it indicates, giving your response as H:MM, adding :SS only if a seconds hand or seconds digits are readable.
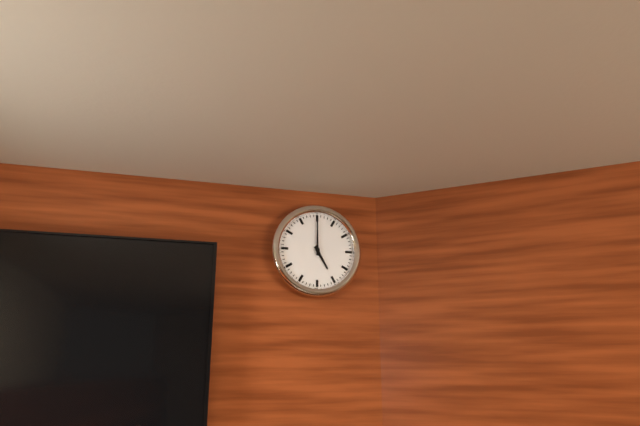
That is 5:00
